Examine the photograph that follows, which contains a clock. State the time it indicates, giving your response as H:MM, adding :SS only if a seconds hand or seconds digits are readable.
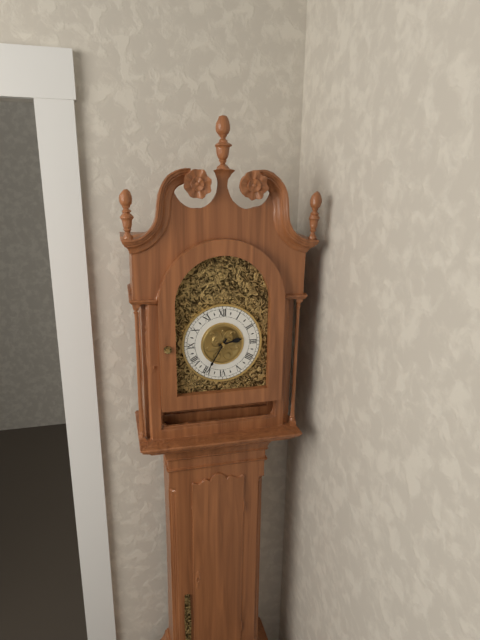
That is 2:35
